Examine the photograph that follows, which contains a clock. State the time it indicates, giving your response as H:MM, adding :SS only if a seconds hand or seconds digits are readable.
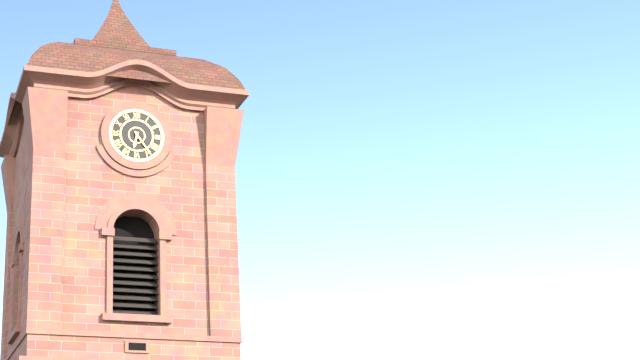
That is 6:24
